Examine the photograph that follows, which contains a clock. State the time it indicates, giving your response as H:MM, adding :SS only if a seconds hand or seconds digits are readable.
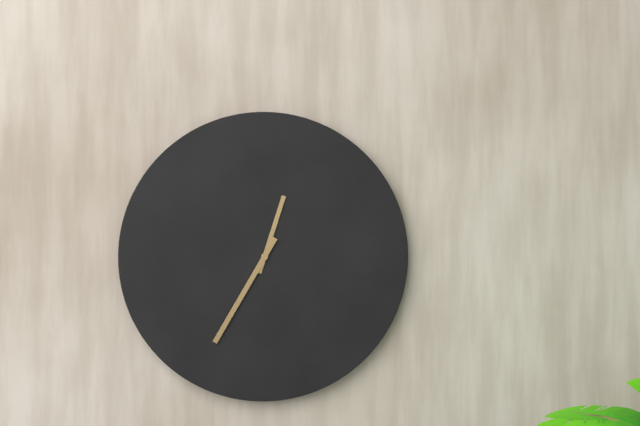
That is 12:35
